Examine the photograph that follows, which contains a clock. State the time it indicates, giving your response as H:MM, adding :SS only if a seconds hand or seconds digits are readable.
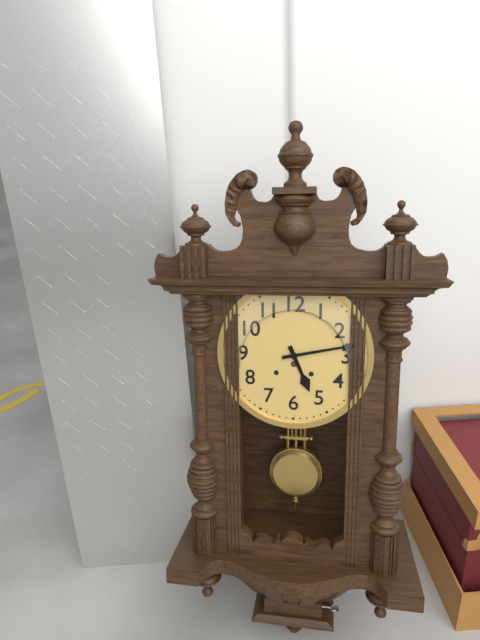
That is 5:13
